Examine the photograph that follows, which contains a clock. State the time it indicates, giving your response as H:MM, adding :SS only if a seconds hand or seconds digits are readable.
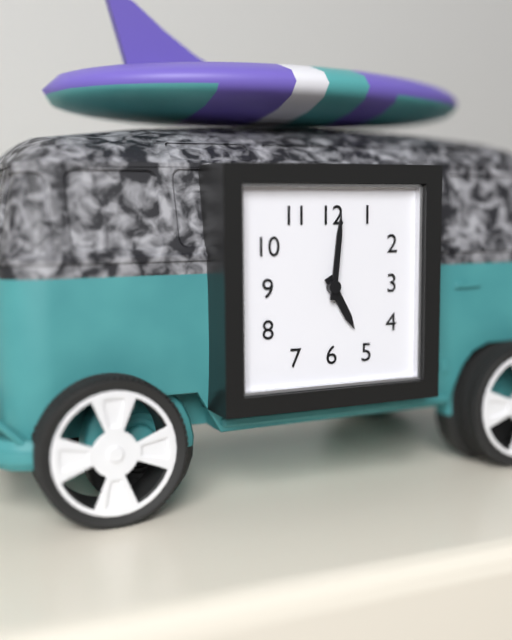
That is 5:01
